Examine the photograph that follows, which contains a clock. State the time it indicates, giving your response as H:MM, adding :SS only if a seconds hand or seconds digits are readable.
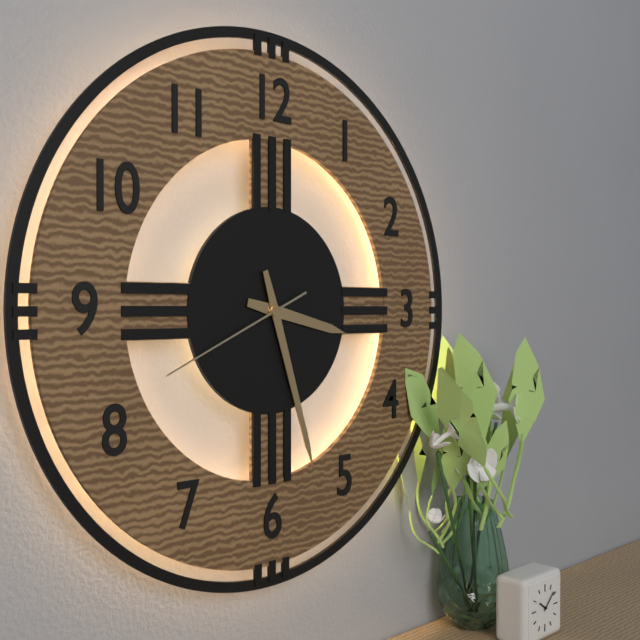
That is 3:27:41
